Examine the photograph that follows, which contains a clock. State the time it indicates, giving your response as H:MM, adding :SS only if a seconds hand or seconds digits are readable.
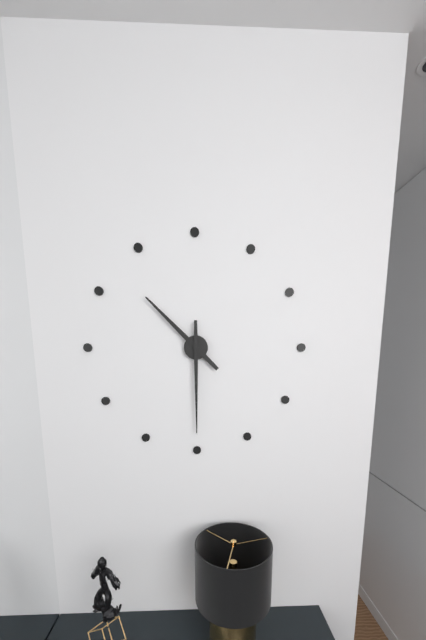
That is 10:30
